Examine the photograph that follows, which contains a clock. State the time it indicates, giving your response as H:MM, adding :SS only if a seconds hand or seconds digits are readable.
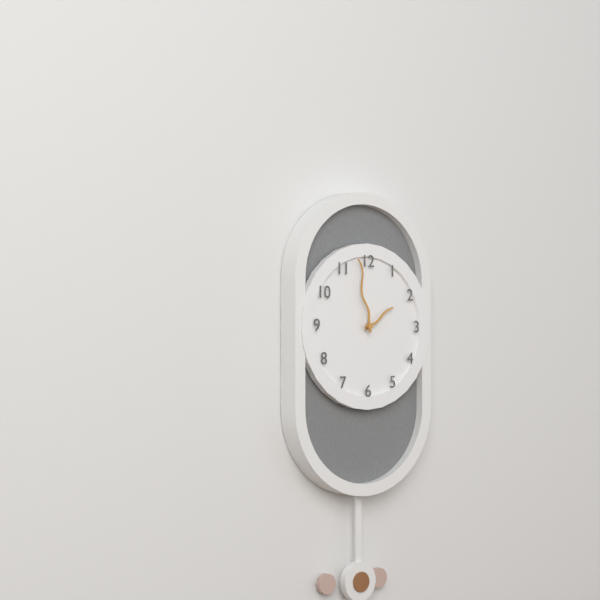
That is 1:58
